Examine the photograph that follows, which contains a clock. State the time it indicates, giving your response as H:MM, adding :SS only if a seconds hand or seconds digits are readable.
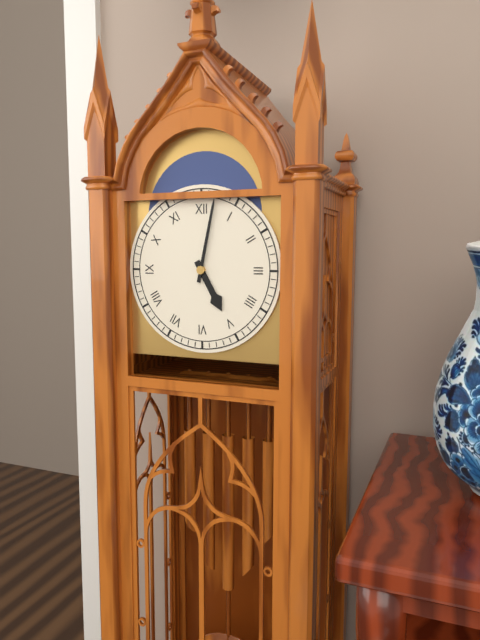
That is 5:02
